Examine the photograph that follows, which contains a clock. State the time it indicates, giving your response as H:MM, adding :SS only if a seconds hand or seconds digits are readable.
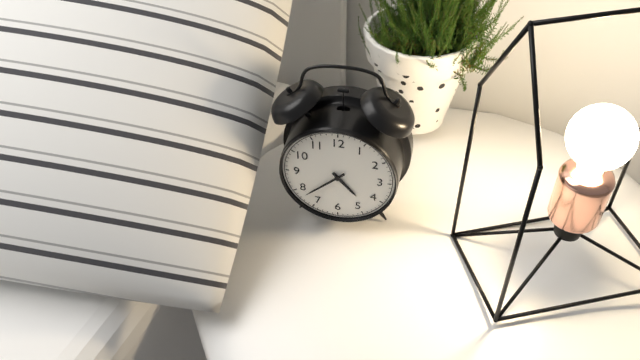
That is 4:38
